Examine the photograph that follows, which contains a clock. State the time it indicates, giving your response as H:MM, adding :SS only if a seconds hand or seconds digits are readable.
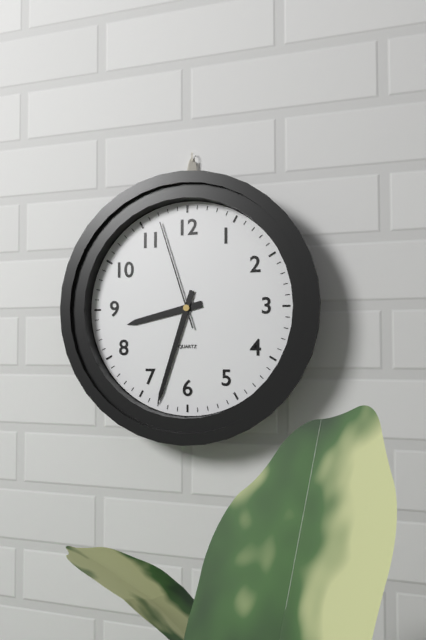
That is 8:33:57
